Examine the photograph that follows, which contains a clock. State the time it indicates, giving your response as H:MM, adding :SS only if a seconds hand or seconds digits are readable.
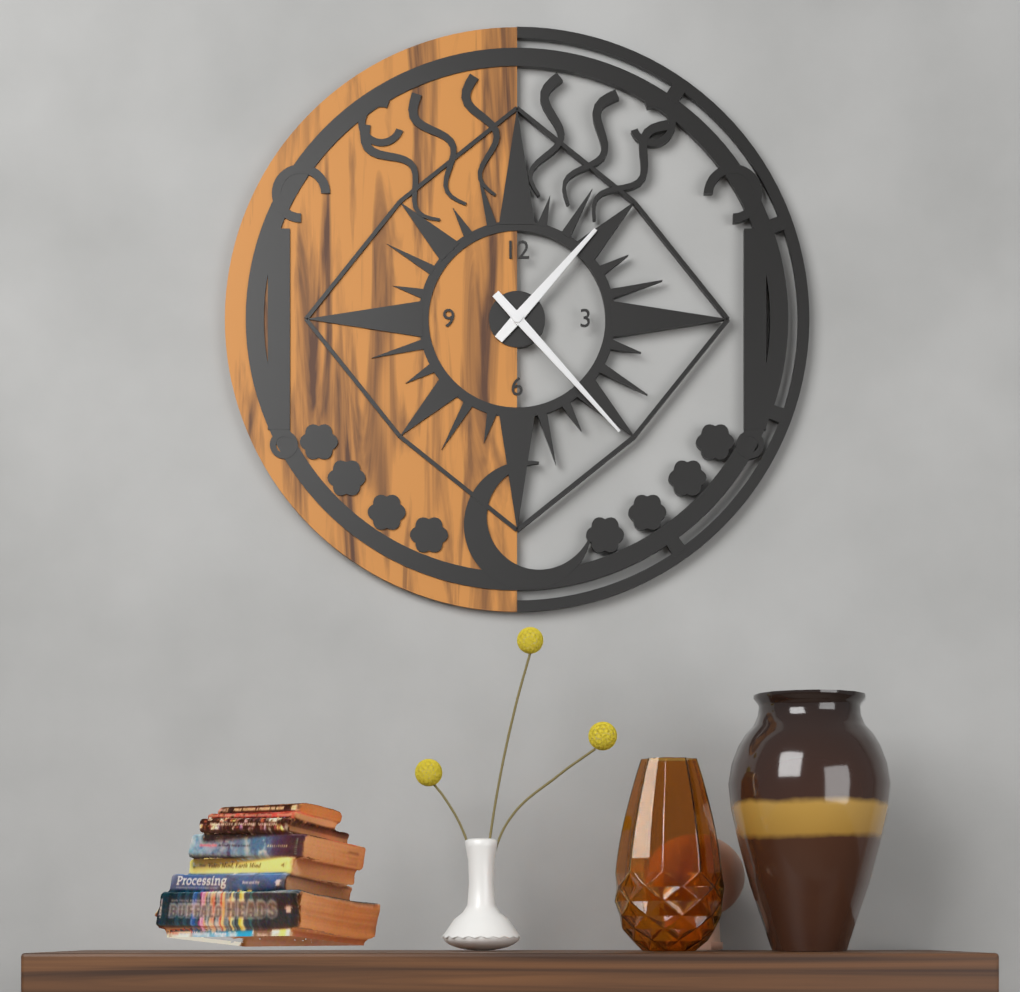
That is 1:23
